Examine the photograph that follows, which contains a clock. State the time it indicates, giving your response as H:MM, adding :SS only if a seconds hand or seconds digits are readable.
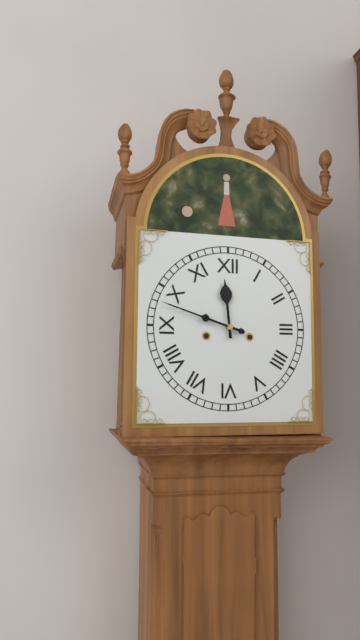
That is 11:48
